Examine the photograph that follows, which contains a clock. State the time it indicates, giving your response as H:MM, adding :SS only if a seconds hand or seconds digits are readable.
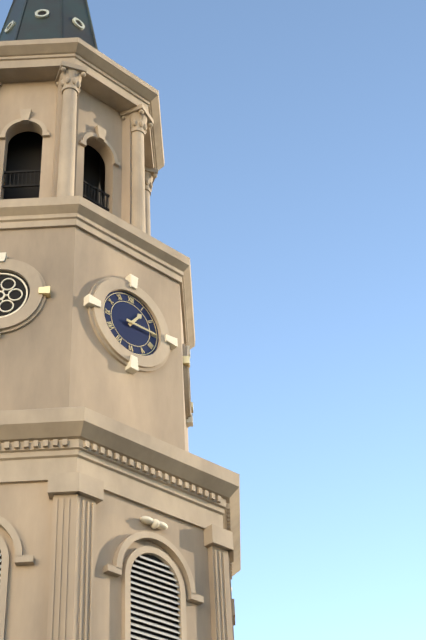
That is 1:15
